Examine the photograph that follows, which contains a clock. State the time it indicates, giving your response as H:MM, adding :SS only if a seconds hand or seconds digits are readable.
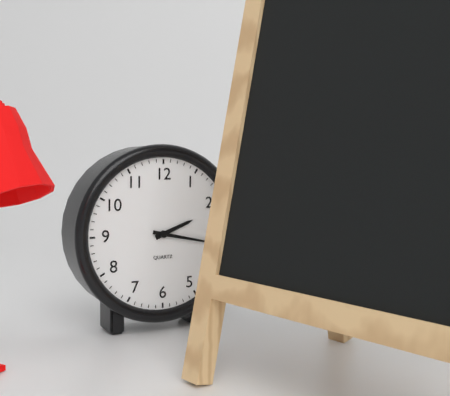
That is 2:17
